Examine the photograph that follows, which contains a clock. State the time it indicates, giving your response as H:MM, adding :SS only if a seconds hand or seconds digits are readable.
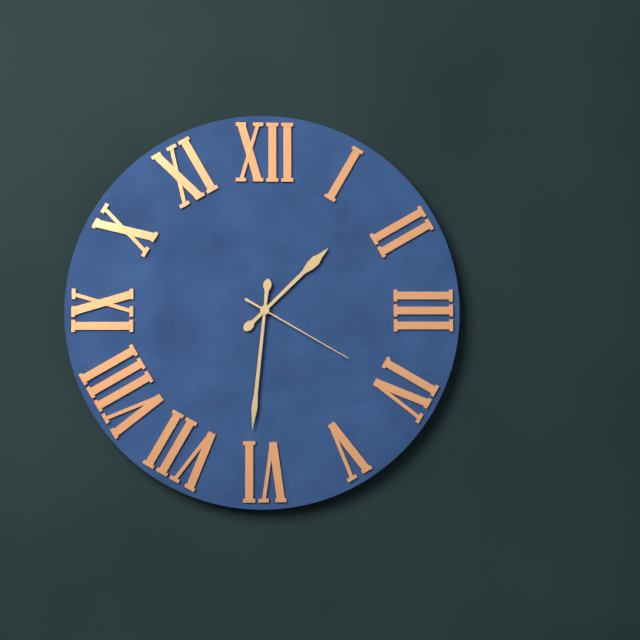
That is 1:31:20
